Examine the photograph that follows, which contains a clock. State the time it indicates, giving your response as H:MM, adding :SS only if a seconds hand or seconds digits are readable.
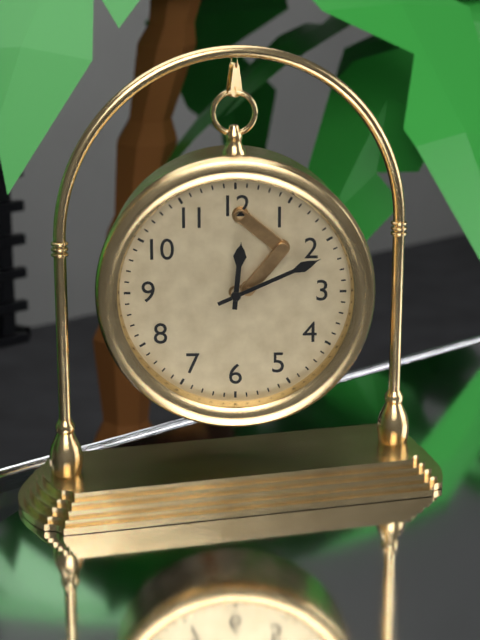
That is 12:11
